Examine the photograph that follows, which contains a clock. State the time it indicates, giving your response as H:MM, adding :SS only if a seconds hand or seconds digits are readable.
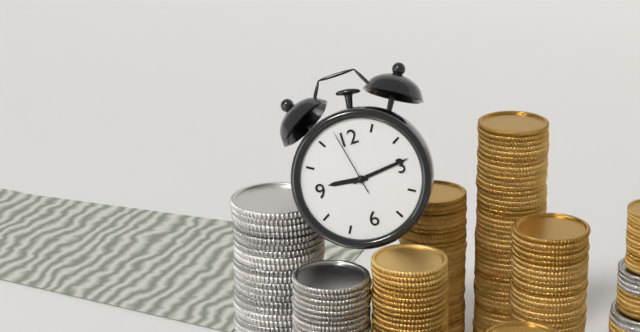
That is 9:14:58
